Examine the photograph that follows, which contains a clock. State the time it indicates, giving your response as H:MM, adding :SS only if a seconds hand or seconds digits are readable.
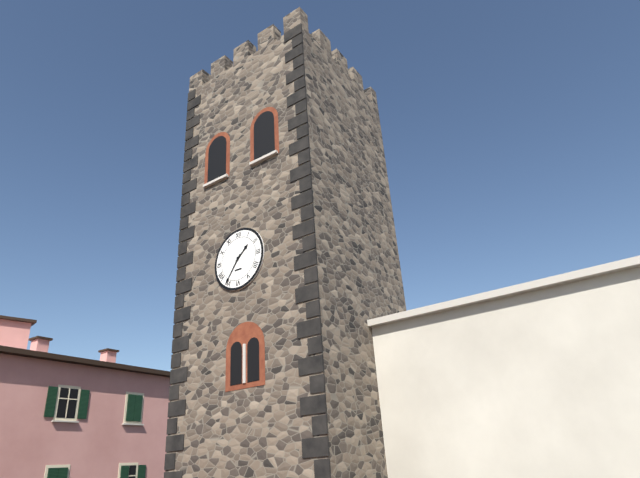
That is 1:36
